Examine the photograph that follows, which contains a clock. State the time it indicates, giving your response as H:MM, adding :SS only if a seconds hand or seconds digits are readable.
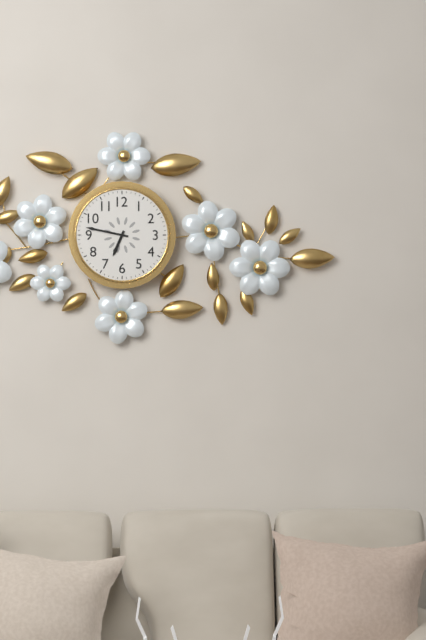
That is 6:47
